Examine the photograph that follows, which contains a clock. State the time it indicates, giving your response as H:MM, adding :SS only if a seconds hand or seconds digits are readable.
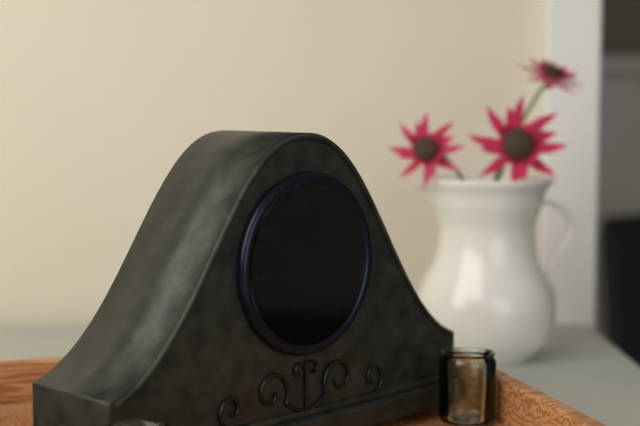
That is 4:40
